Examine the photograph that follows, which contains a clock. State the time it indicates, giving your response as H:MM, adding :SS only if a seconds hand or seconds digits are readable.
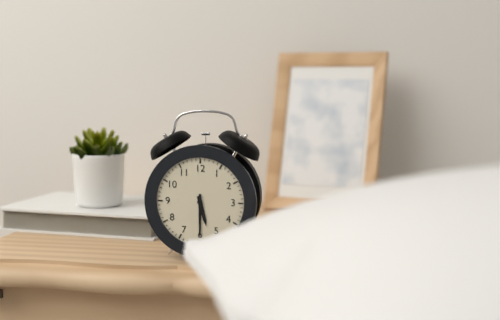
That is 5:30
